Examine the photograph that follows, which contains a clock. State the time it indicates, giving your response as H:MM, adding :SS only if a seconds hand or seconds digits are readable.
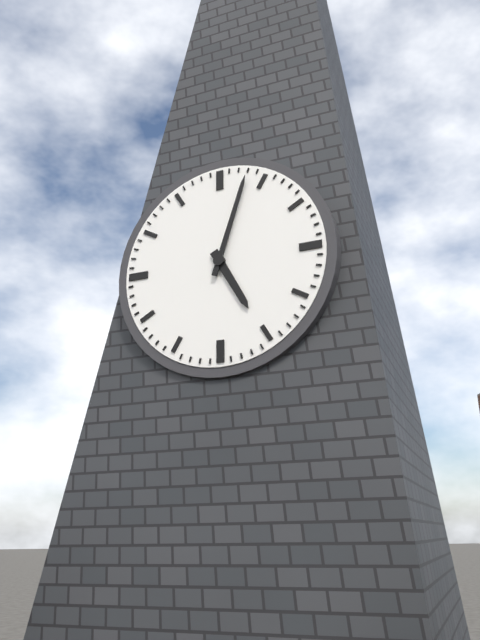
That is 5:03
